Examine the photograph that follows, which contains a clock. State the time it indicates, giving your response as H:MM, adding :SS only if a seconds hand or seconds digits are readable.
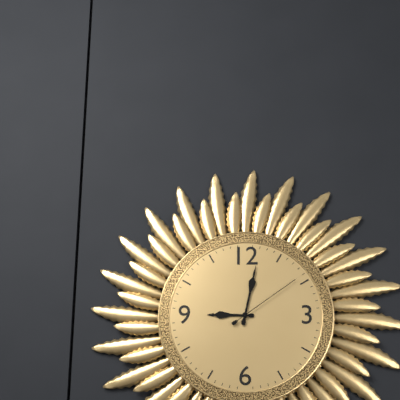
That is 9:02:09
